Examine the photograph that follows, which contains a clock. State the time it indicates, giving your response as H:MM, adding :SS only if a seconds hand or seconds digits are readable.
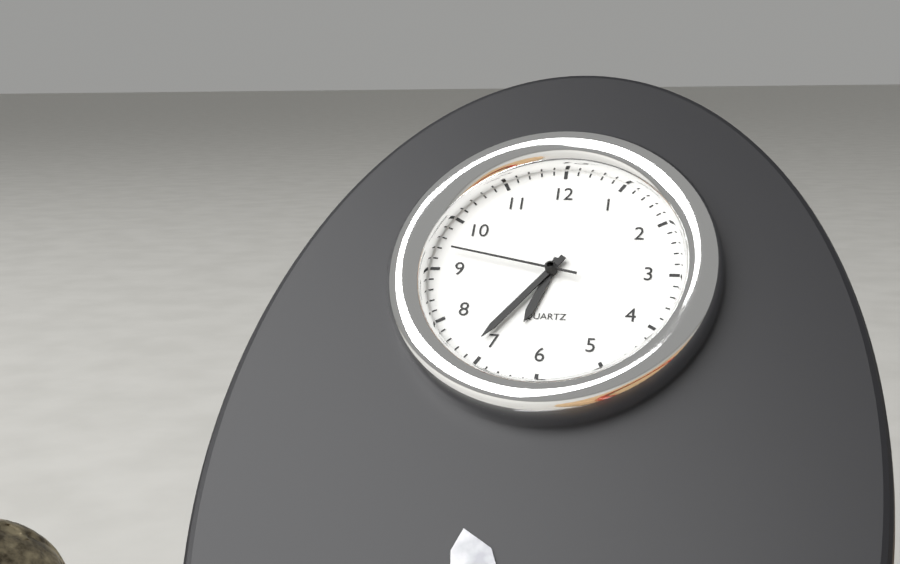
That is 6:36:47
